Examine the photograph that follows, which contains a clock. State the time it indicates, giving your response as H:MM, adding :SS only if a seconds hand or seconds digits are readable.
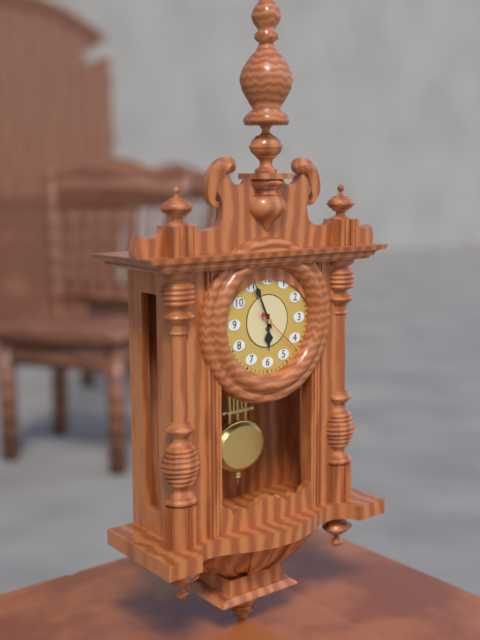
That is 5:56:22
